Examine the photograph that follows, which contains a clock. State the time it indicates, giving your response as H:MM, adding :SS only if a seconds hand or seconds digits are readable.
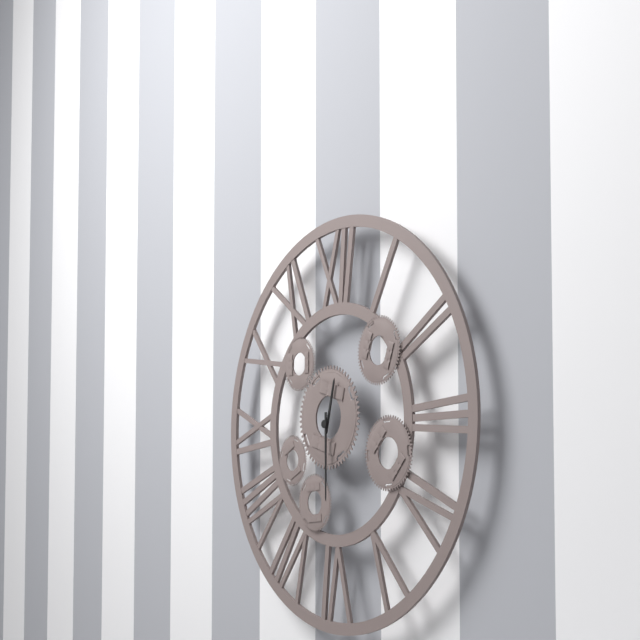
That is 12:30
